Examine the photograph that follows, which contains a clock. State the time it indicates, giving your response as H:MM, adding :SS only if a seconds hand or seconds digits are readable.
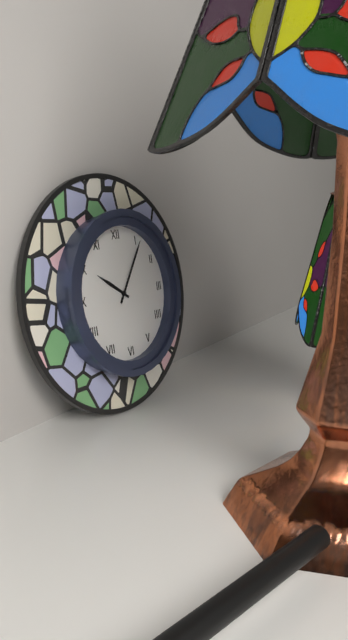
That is 10:06
